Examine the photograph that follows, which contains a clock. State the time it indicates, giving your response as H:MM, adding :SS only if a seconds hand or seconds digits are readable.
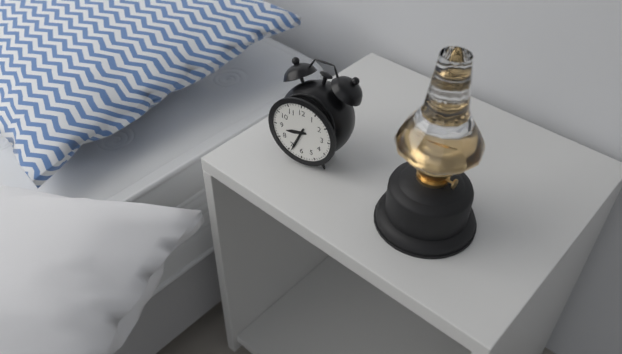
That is 8:34
